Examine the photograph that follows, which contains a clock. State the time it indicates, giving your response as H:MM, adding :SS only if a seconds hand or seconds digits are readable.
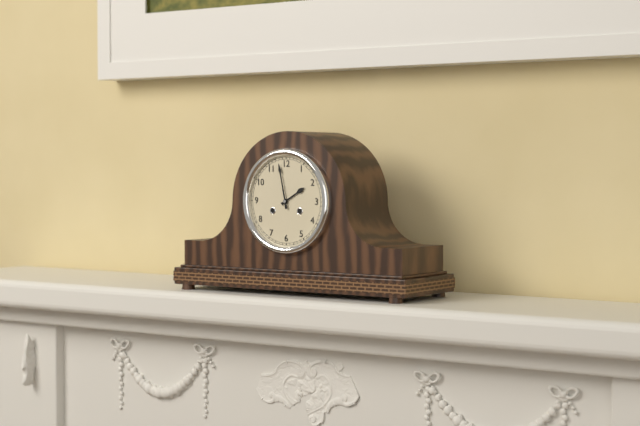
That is 1:58
